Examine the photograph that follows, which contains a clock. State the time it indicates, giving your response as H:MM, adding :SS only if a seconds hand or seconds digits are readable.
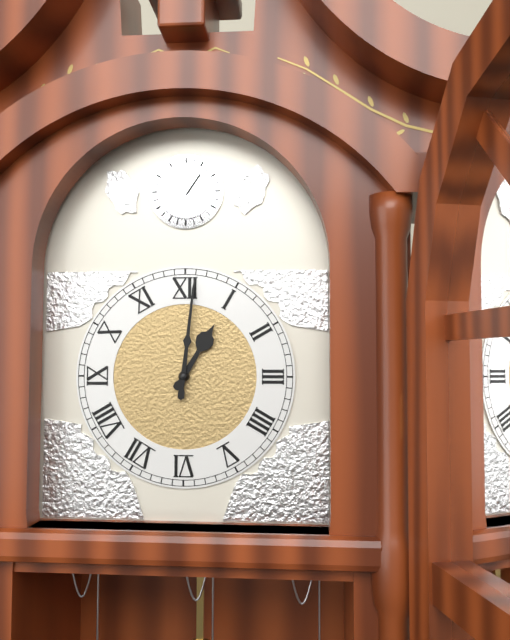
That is 1:01
